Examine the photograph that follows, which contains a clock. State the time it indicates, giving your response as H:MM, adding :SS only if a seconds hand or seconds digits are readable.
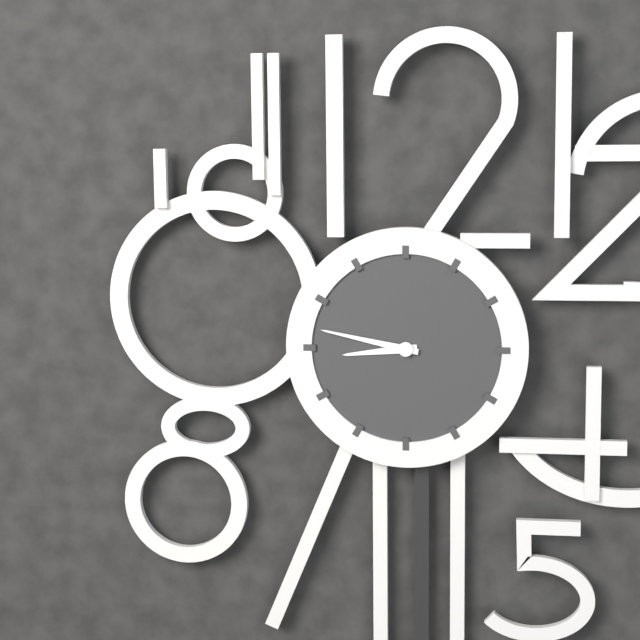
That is 8:47
